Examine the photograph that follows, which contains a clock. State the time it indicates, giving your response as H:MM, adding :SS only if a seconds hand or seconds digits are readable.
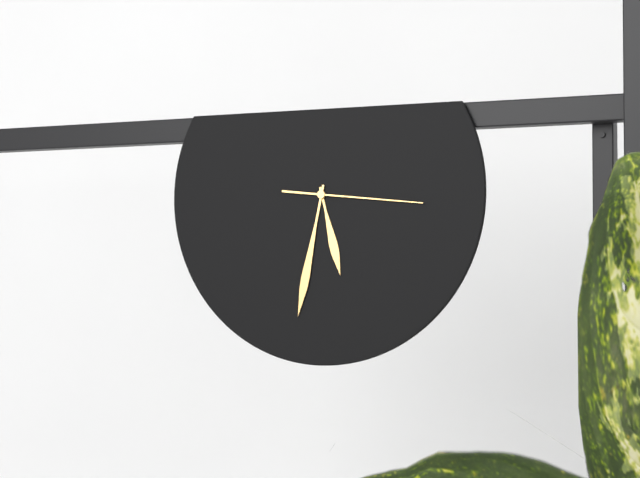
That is 5:32:16
